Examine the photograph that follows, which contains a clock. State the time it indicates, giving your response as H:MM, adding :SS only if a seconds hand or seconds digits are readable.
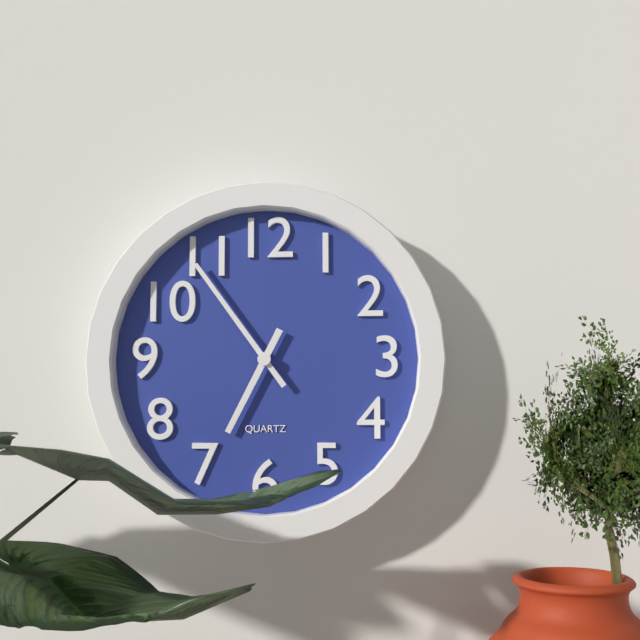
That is 6:54
